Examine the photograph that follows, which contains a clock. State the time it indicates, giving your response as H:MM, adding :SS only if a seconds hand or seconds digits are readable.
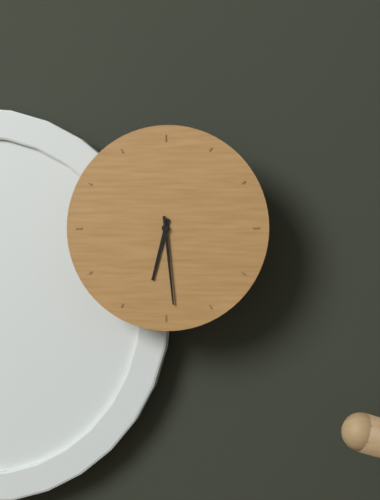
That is 6:29
